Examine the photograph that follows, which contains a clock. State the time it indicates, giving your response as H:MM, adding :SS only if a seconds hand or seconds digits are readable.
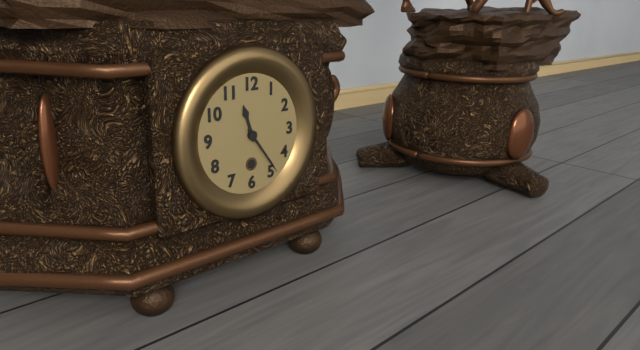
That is 11:24
